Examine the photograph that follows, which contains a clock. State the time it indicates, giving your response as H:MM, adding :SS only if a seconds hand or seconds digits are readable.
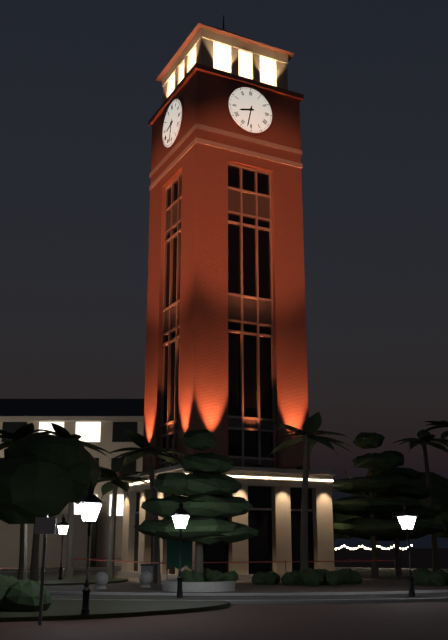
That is 8:32
